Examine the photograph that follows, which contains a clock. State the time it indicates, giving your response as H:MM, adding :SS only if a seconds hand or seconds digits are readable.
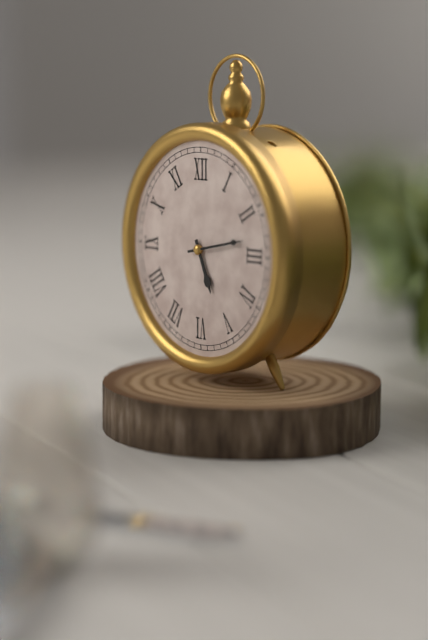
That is 5:13
